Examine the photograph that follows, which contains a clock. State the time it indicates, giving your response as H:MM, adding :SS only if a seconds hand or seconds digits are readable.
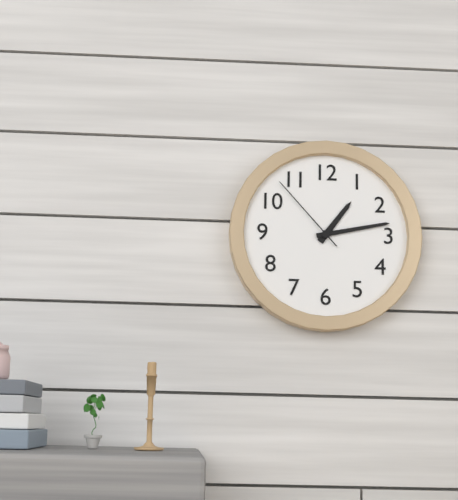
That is 1:13:53
